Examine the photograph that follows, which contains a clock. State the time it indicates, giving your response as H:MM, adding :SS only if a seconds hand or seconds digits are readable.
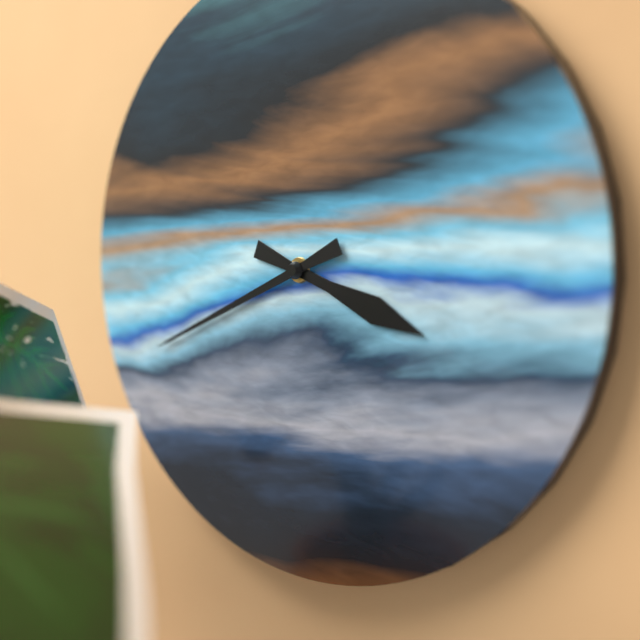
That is 3:41
